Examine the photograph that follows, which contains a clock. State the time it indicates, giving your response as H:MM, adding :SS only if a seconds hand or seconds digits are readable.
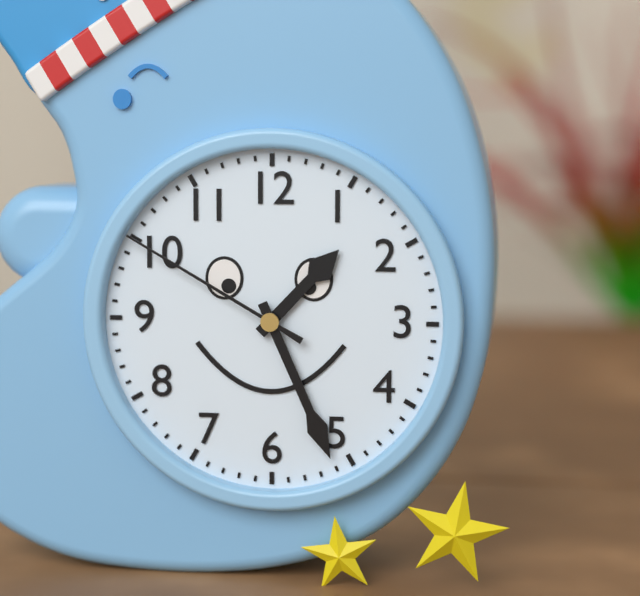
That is 1:26:50
